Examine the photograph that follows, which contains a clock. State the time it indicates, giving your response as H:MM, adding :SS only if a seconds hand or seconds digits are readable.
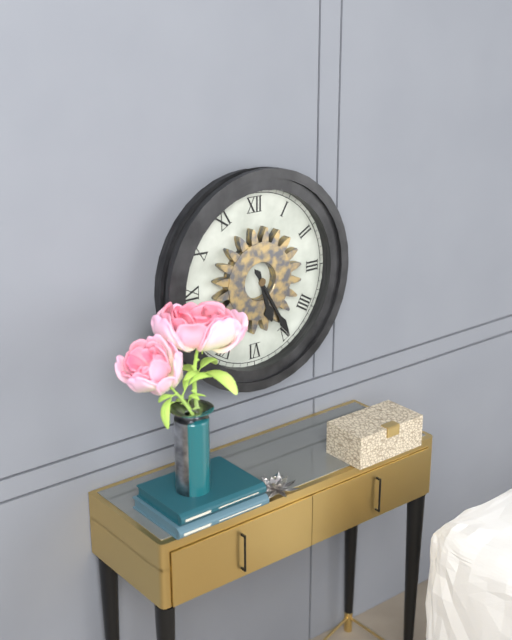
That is 5:25
